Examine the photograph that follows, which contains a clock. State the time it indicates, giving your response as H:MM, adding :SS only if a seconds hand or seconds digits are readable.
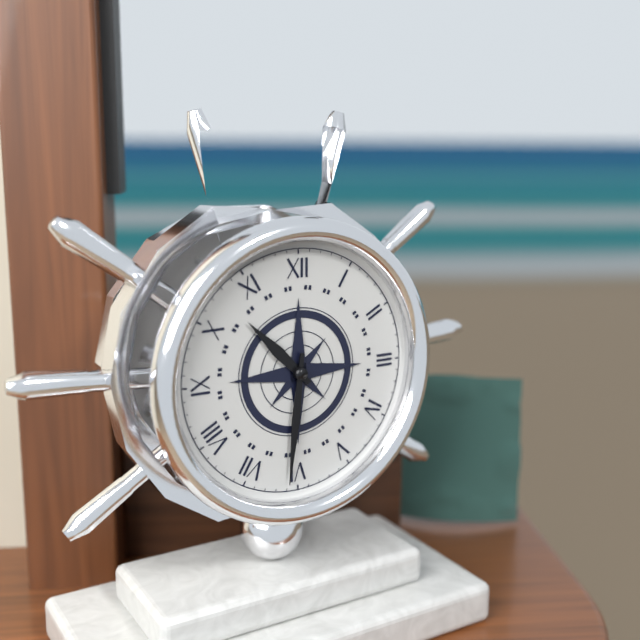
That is 10:31
